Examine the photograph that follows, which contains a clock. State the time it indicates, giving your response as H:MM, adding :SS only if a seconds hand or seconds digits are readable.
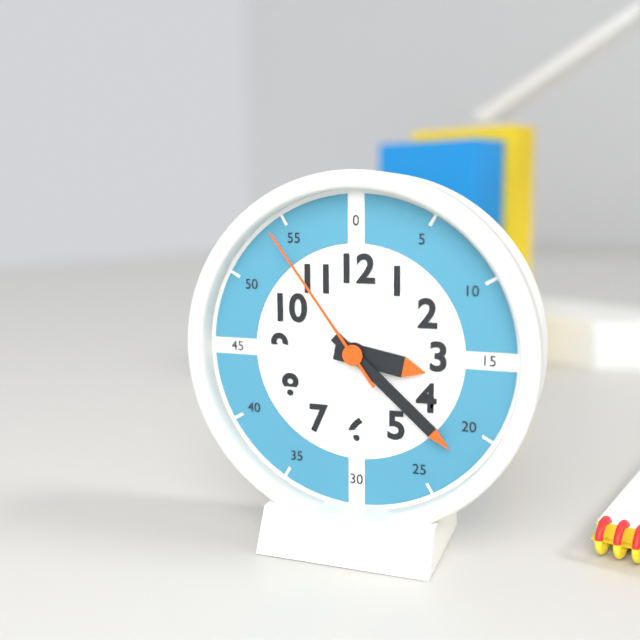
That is 3:22:54
